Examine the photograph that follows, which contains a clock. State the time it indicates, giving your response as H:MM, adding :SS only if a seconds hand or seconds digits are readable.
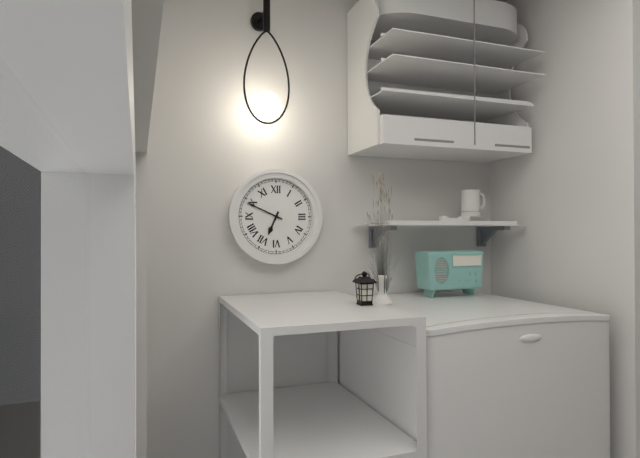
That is 6:49
